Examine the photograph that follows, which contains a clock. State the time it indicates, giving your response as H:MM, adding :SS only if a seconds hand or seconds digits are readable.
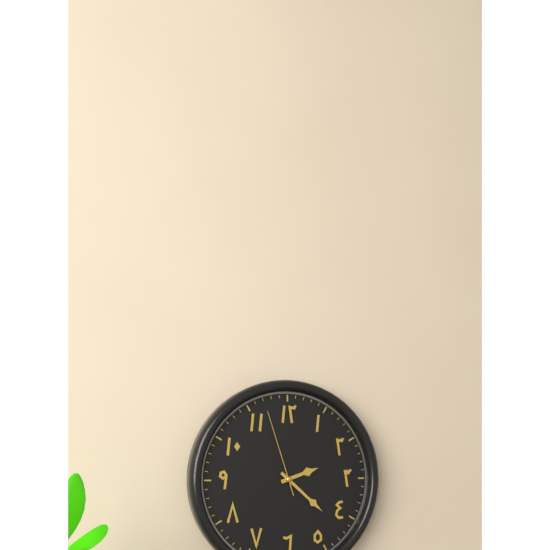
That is 2:22:57
